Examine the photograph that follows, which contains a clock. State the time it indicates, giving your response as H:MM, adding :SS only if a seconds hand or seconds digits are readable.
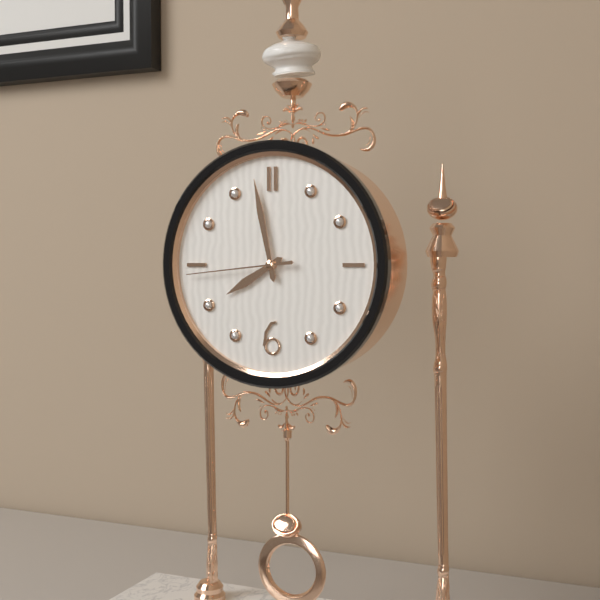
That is 7:58:44
